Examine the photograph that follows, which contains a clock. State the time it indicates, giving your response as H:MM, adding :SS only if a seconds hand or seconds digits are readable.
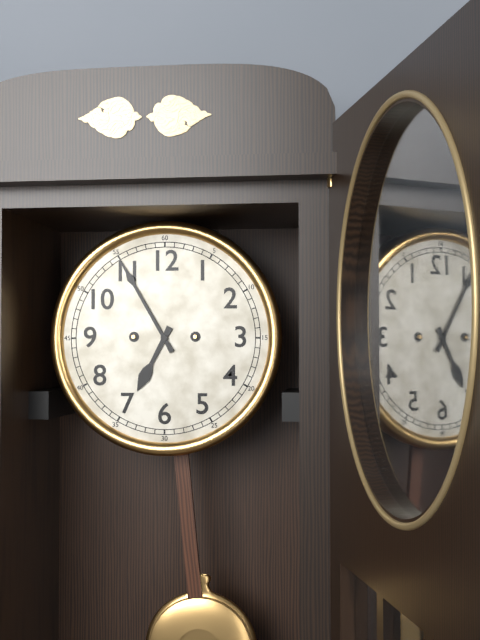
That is 6:55
